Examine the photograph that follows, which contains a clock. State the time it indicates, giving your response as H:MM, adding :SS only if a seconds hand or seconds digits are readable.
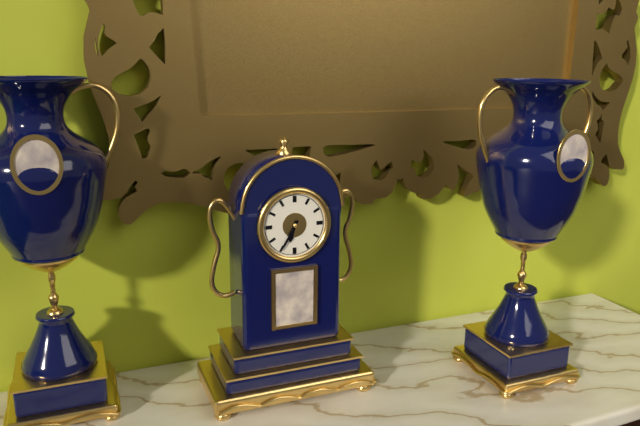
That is 6:35
